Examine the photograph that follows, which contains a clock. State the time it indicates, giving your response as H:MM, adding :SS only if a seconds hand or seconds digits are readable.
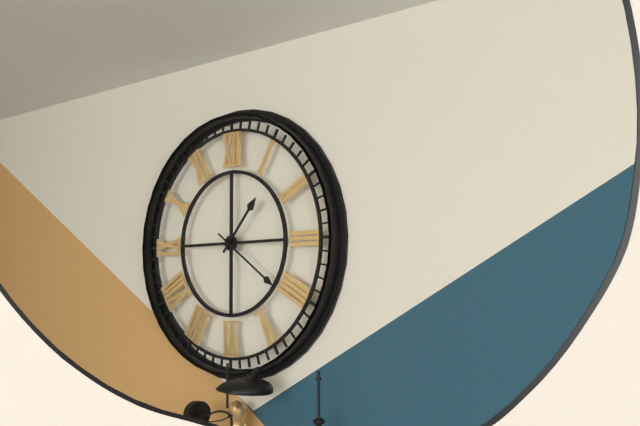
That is 1:21
